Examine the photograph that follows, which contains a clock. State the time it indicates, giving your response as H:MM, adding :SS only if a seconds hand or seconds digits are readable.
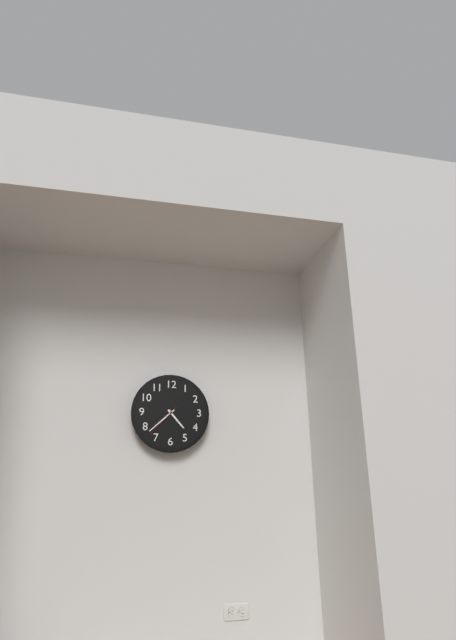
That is 4:38
